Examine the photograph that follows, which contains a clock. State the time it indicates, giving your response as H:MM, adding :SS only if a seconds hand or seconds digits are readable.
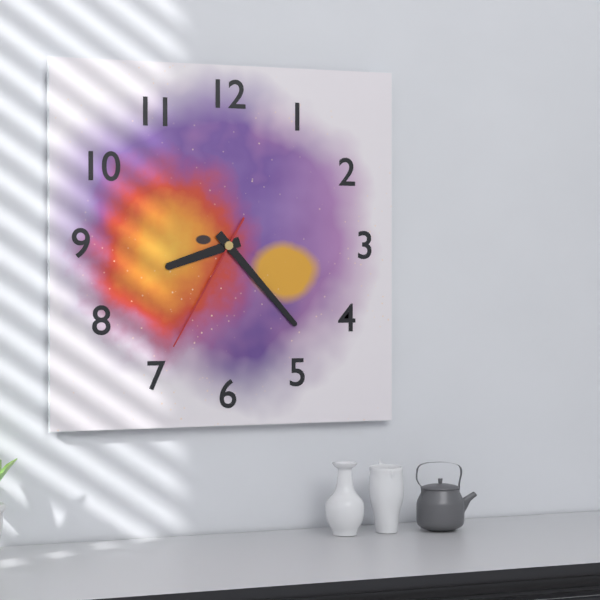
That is 8:23:35
